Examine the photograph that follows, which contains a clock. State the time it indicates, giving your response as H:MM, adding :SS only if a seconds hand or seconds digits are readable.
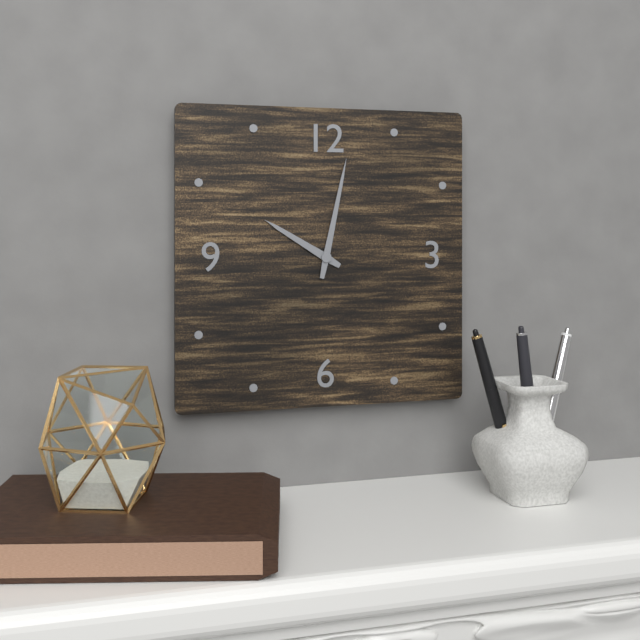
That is 10:02
